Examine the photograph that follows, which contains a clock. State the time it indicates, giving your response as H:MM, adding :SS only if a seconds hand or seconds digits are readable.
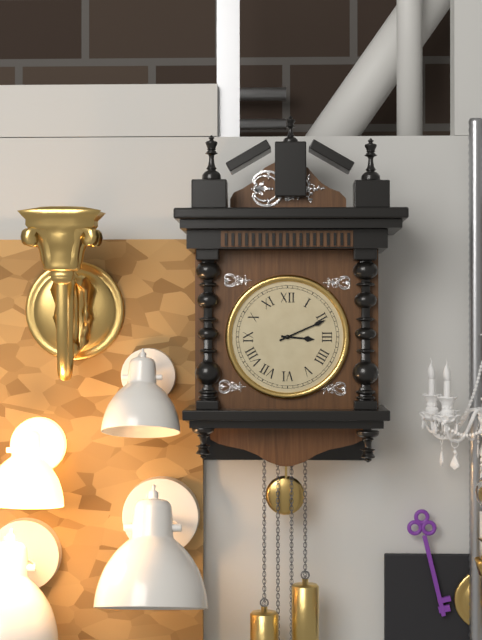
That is 3:11
